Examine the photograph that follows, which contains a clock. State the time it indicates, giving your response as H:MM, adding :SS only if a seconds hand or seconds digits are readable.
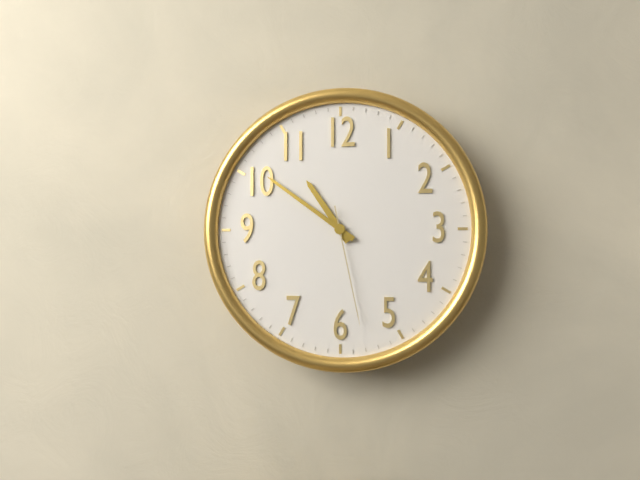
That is 10:51:28
